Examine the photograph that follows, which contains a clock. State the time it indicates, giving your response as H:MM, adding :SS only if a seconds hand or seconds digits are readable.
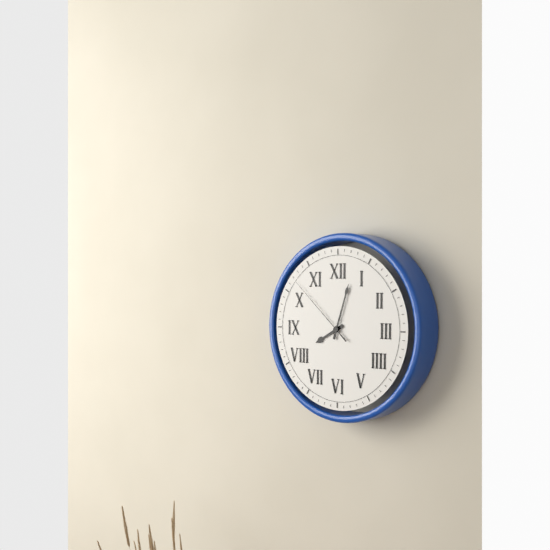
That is 8:03:52
